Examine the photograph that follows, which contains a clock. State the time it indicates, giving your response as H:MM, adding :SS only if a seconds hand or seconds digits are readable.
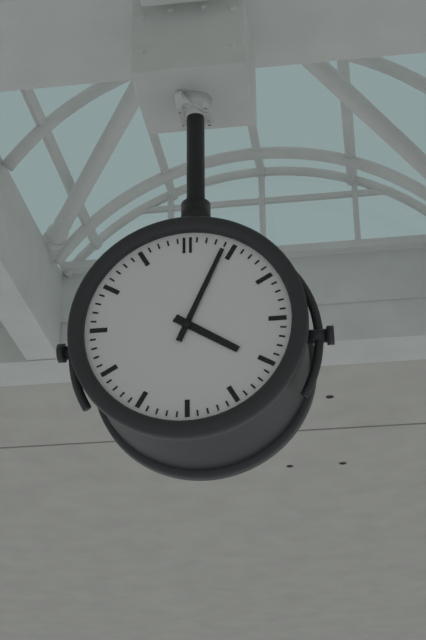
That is 4:04
